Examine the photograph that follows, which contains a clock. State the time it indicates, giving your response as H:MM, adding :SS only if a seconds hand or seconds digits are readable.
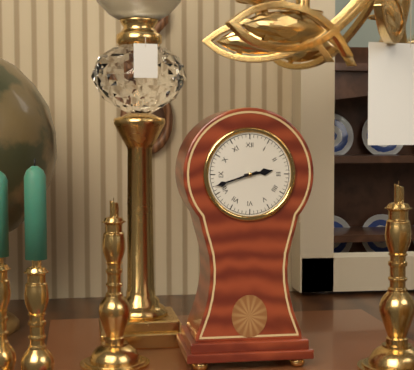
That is 2:42
